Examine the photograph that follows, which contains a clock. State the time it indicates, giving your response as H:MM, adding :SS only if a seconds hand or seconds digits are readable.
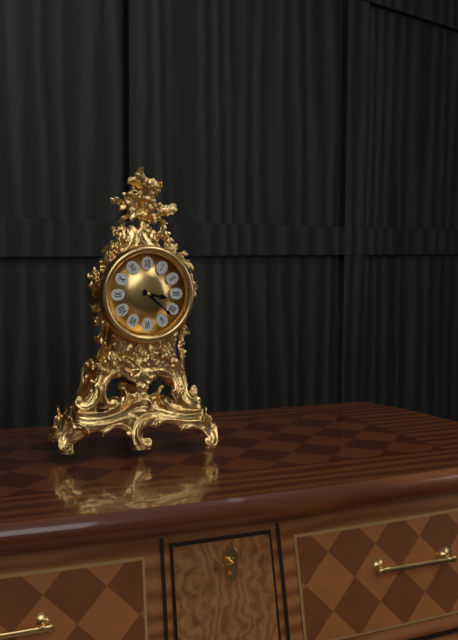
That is 3:22
